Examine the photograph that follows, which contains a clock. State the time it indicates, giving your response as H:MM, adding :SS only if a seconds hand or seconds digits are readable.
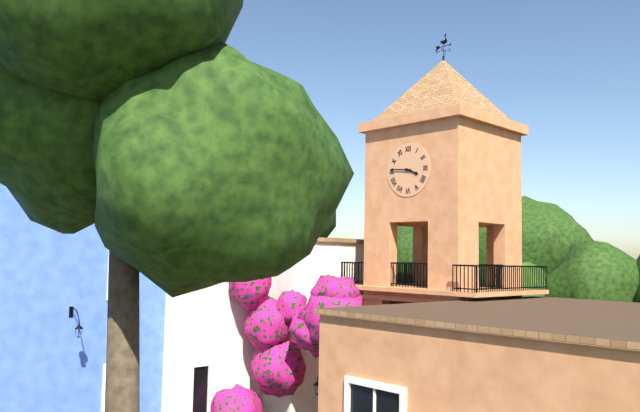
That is 3:46
